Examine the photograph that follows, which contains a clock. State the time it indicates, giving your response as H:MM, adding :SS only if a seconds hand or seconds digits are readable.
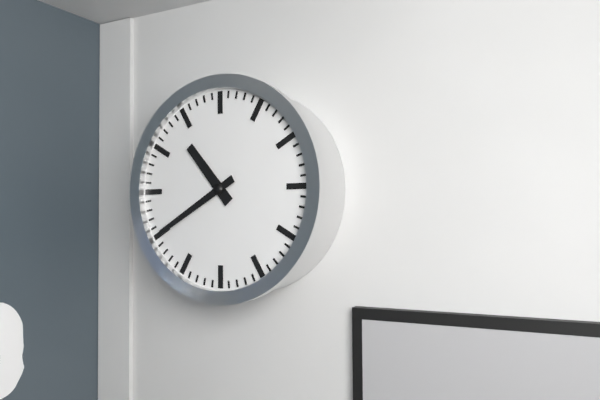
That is 10:40
